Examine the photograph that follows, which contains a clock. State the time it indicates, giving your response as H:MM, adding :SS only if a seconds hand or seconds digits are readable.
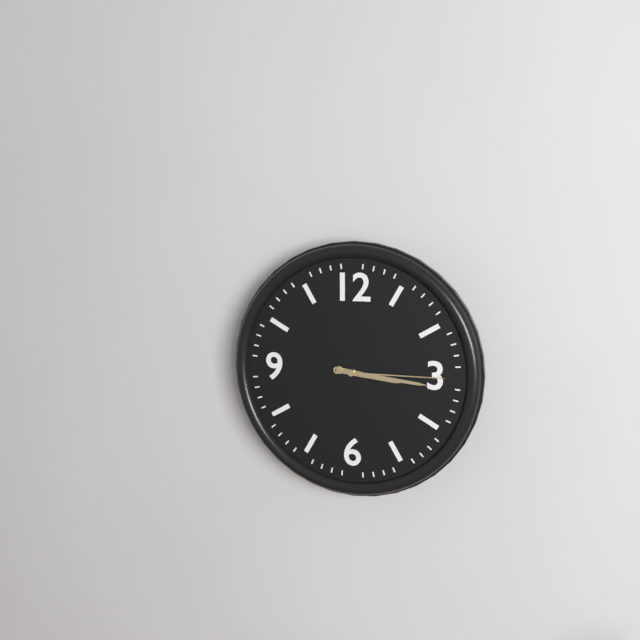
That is 3:16:15
